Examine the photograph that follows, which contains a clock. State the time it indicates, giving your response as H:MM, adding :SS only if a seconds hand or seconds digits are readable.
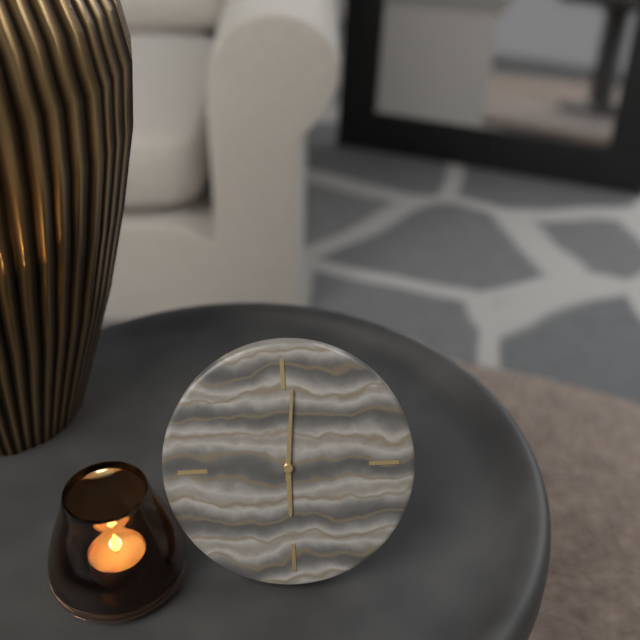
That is 6:01
